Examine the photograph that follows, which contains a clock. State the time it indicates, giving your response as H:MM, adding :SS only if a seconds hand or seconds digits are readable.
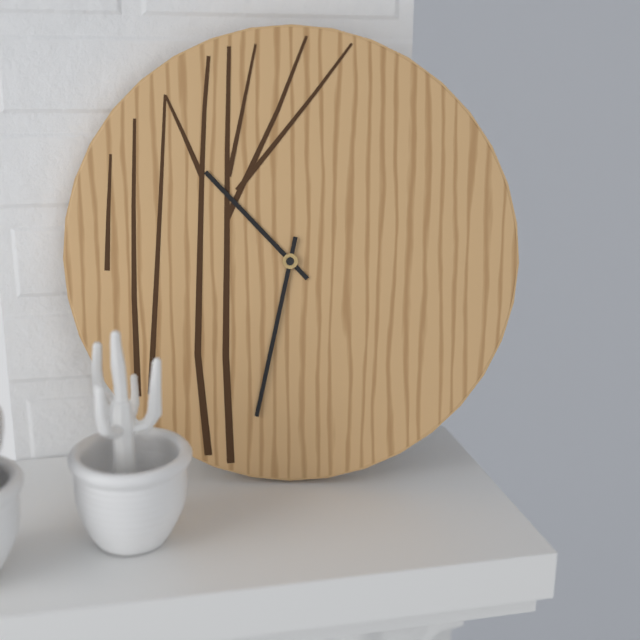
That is 10:32
